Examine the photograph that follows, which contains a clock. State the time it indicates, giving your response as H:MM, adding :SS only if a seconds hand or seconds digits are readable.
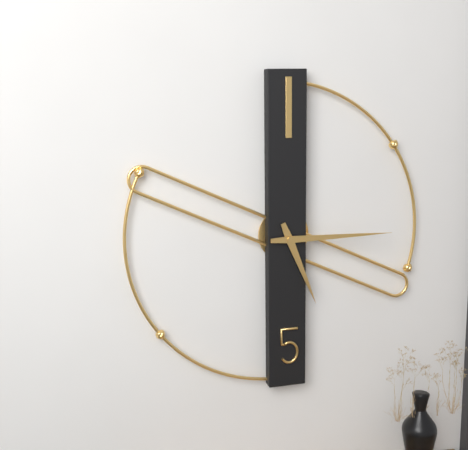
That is 5:15
